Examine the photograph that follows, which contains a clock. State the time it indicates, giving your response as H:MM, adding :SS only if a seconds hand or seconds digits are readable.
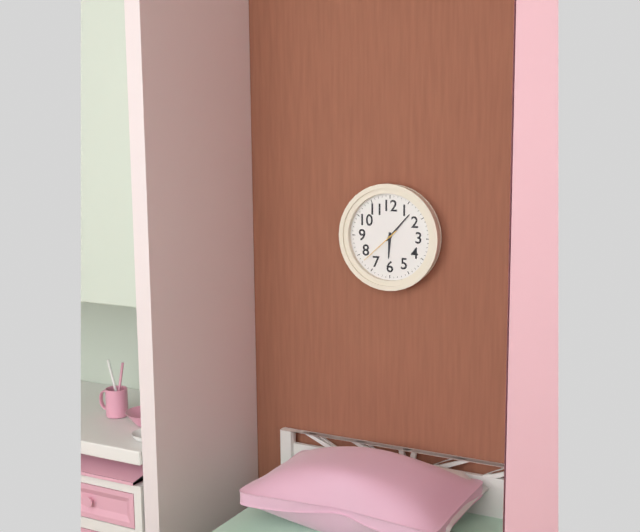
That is 6:07
